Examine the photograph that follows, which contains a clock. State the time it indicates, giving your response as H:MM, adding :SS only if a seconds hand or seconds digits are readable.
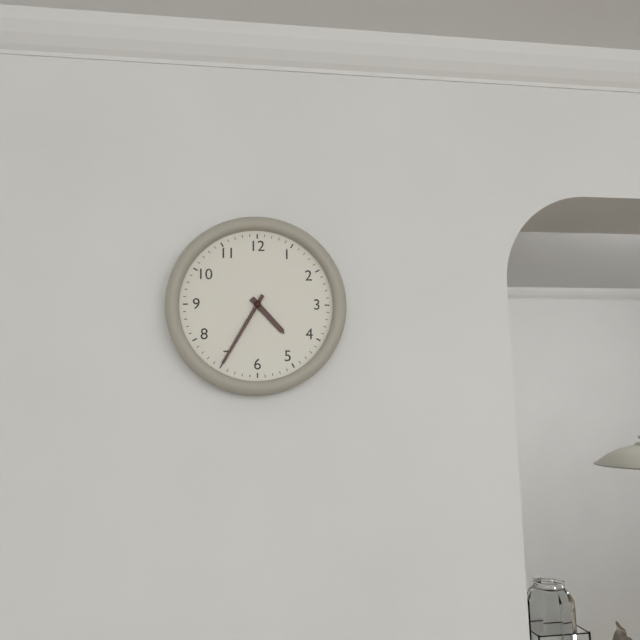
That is 4:35
